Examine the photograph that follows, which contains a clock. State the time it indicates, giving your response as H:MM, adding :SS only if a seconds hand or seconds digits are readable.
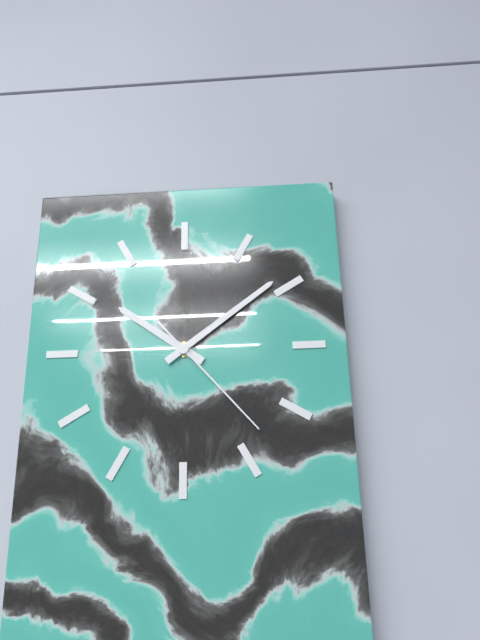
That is 10:09:23
